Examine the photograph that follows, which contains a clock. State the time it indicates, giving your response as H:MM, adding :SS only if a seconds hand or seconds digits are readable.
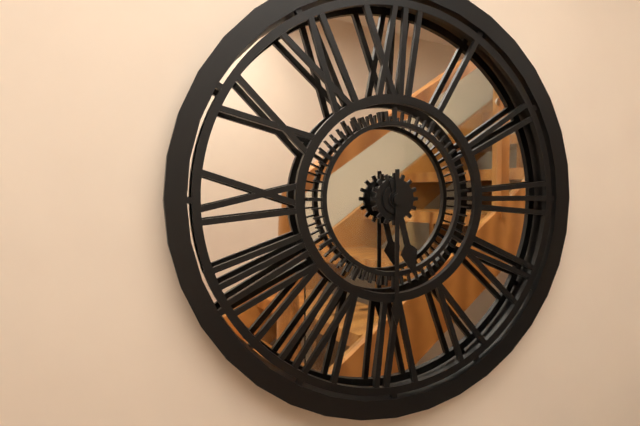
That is 5:30
